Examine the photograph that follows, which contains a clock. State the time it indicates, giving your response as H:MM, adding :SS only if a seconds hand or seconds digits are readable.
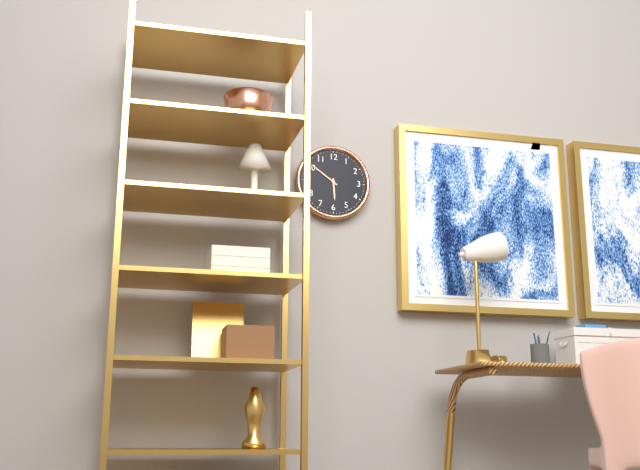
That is 5:51
